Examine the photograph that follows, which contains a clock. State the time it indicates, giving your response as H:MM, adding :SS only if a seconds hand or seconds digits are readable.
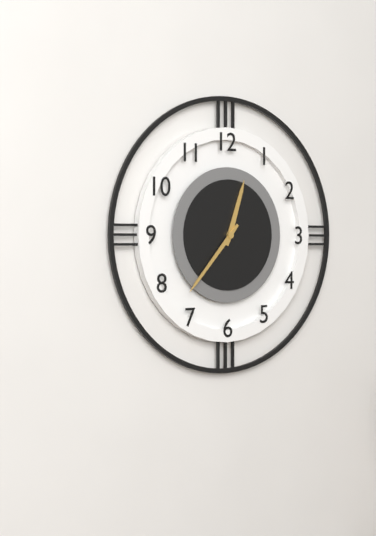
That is 12:37
